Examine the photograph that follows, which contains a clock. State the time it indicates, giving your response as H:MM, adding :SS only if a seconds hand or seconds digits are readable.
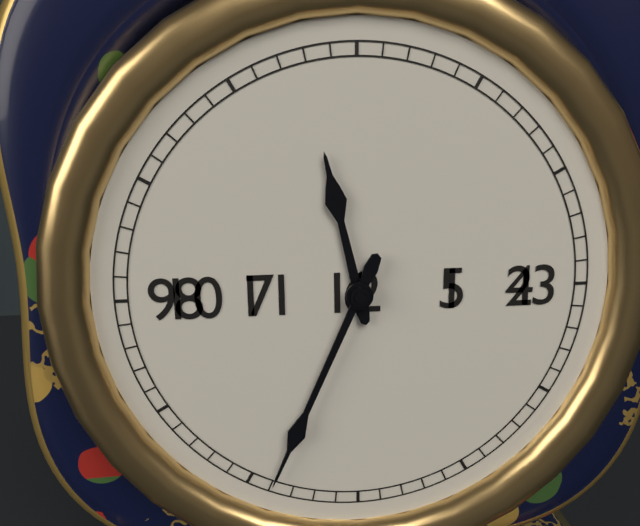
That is 11:34
